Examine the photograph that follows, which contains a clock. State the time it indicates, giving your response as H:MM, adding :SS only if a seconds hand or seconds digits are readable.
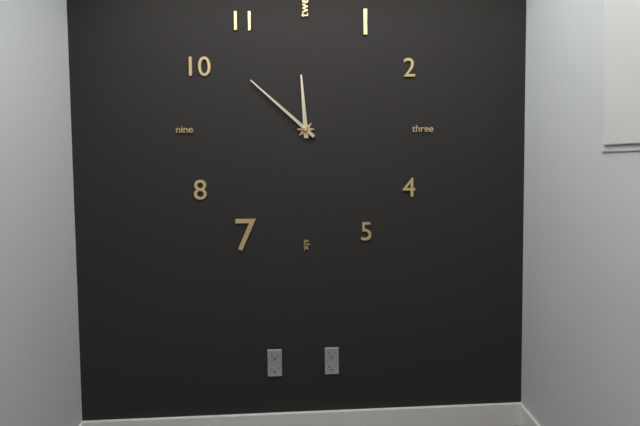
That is 11:52
